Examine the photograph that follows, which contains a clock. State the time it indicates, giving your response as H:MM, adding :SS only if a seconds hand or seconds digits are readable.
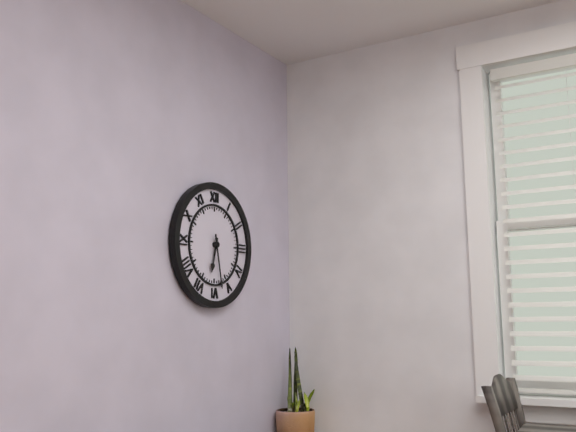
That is 6:28
